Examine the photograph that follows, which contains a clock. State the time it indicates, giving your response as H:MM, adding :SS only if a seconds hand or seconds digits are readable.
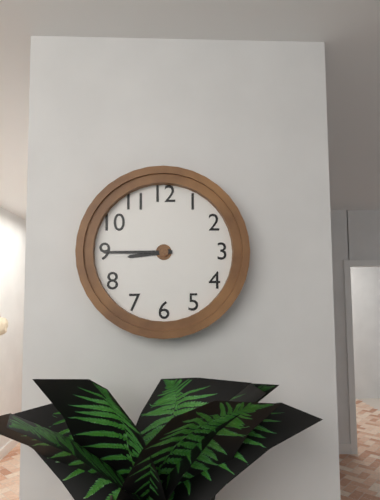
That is 8:45
